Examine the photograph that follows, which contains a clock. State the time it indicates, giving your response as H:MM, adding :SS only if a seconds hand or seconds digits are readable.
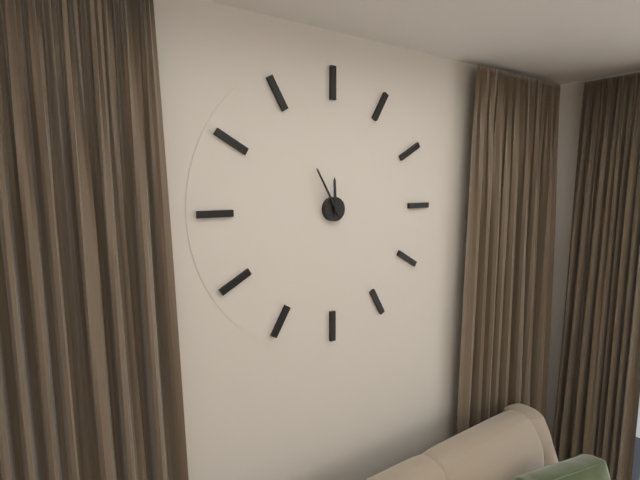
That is 11:55
